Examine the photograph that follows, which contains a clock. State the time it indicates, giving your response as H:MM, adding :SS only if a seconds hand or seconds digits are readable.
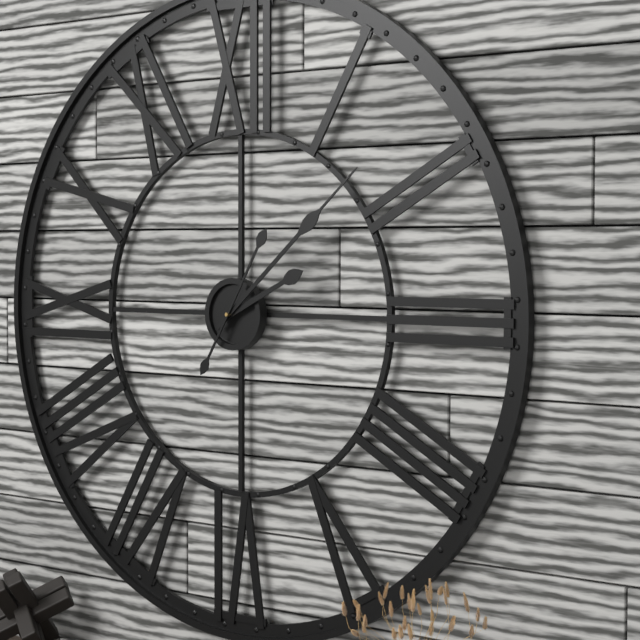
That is 2:08:05
